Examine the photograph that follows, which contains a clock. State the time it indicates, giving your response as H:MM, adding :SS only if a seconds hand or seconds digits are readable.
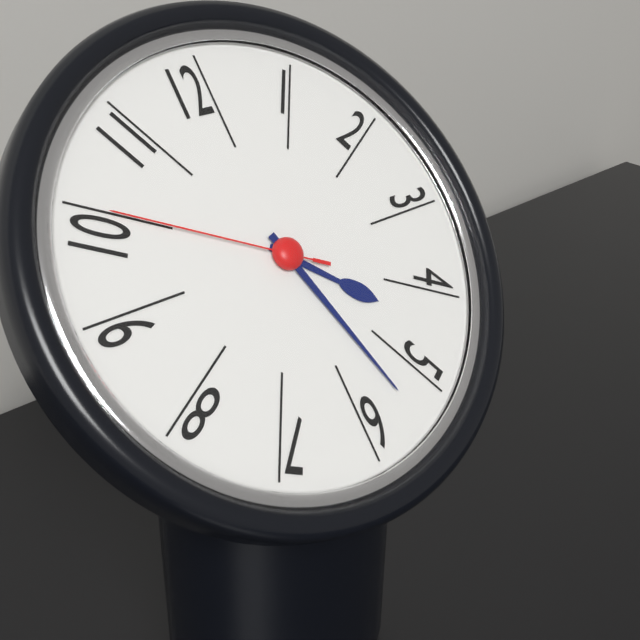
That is 4:27:50
